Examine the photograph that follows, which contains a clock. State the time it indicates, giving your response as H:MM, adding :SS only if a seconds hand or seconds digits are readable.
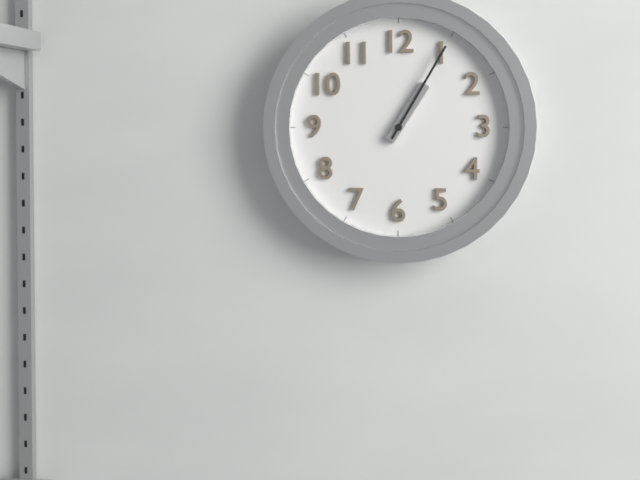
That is 1:05
